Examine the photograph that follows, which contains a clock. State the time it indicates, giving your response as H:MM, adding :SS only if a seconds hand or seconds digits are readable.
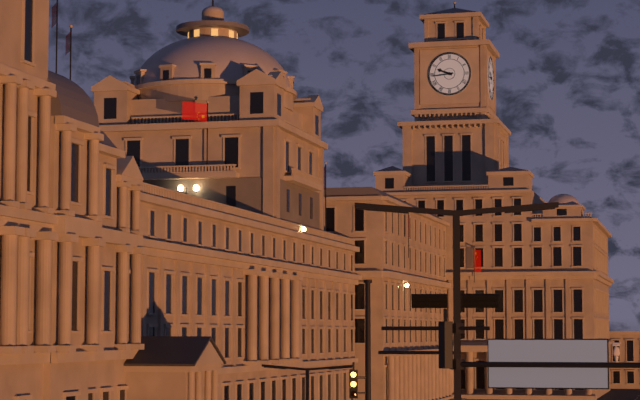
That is 9:44
